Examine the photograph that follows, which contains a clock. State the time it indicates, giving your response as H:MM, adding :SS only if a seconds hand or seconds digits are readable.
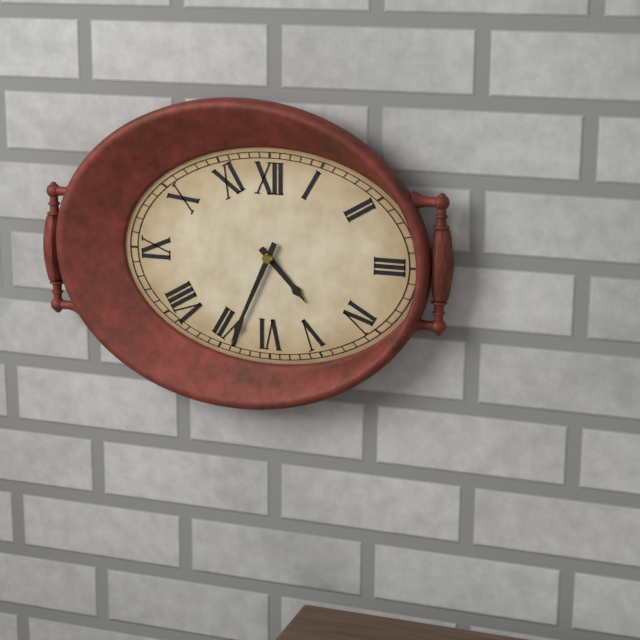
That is 4:34
